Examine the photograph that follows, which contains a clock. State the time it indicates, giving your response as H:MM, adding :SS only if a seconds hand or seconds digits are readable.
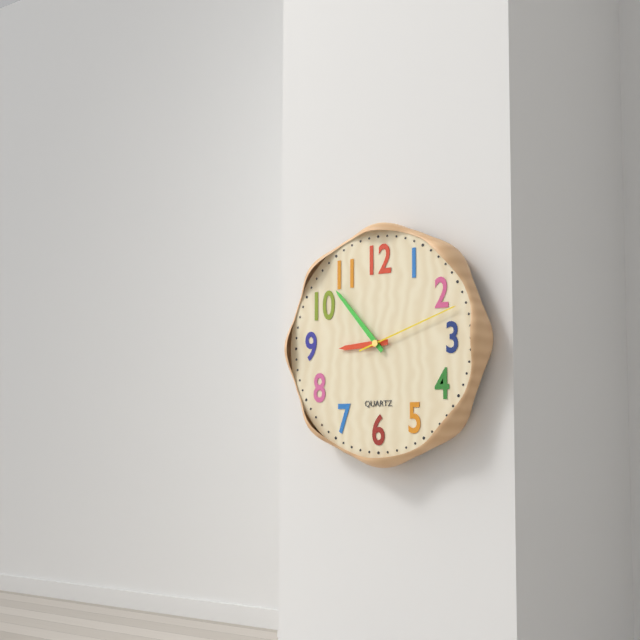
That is 8:53:12
